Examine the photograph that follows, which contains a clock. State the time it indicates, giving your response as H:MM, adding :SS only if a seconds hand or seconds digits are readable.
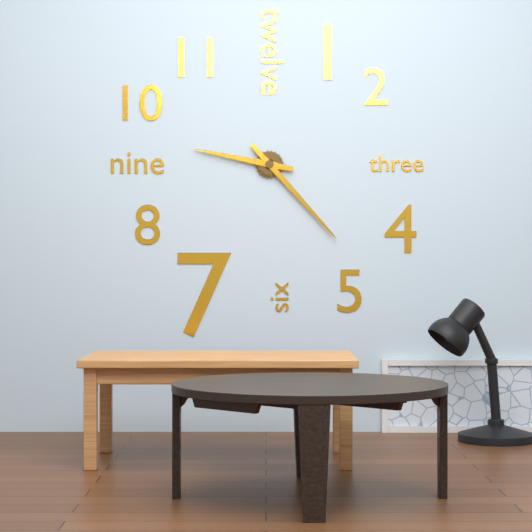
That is 9:23
